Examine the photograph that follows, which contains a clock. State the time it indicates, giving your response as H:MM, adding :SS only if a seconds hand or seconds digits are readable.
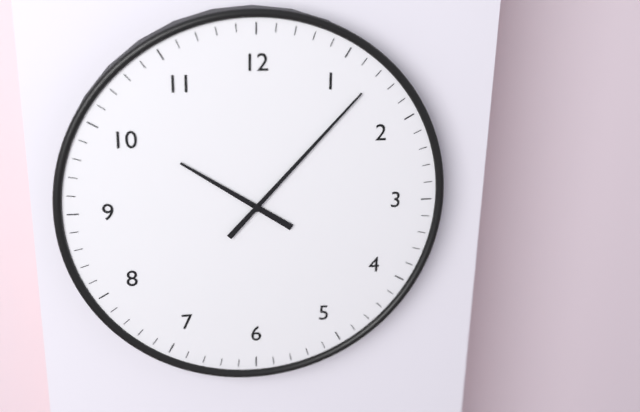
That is 10:07
